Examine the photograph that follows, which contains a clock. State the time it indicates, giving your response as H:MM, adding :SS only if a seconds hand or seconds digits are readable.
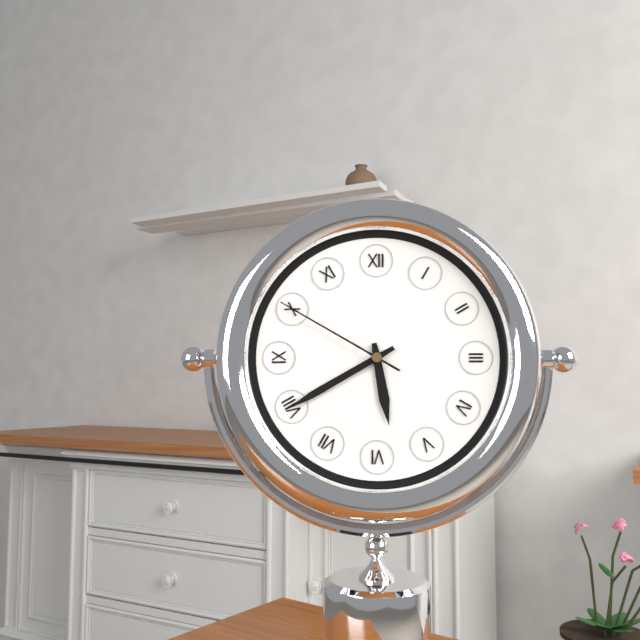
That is 5:40:50
